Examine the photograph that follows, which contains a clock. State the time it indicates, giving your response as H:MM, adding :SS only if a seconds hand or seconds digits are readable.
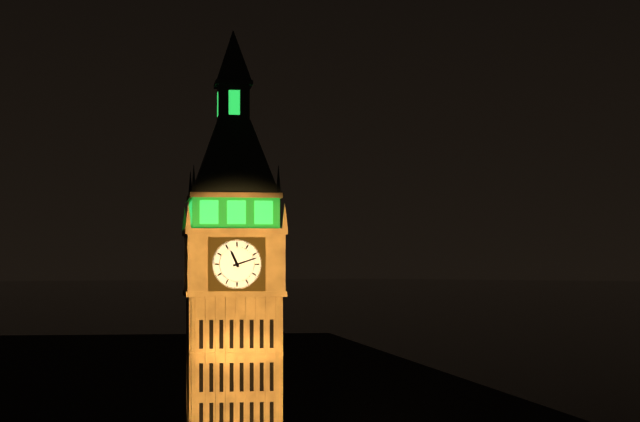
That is 11:12
